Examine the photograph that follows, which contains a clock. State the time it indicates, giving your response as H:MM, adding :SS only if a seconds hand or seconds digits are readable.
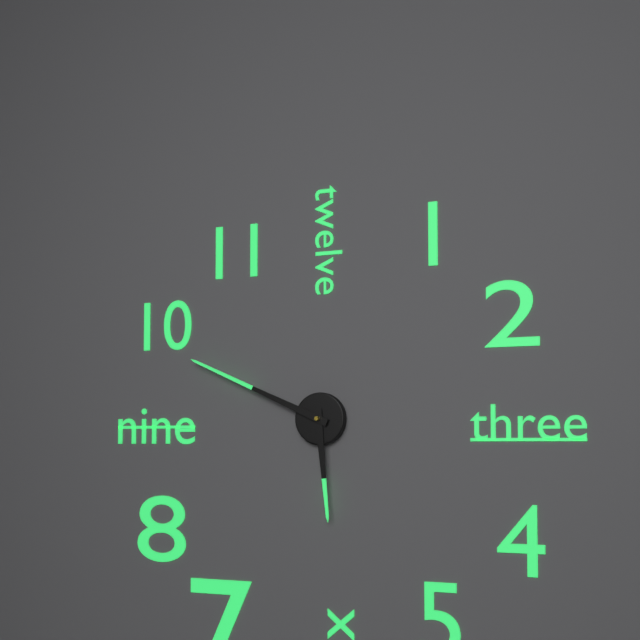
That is 5:49
